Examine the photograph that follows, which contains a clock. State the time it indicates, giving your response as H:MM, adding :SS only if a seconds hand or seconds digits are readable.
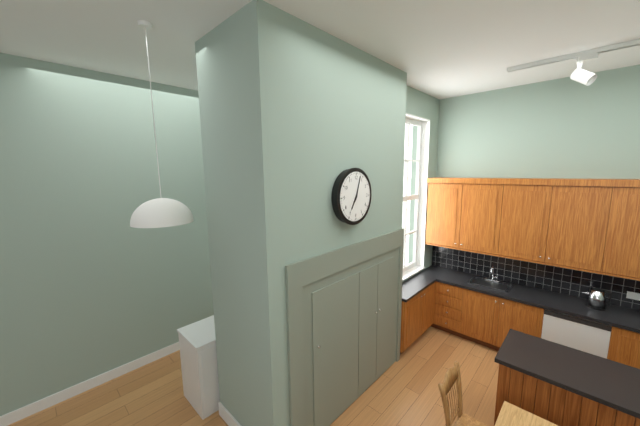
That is 7:03
